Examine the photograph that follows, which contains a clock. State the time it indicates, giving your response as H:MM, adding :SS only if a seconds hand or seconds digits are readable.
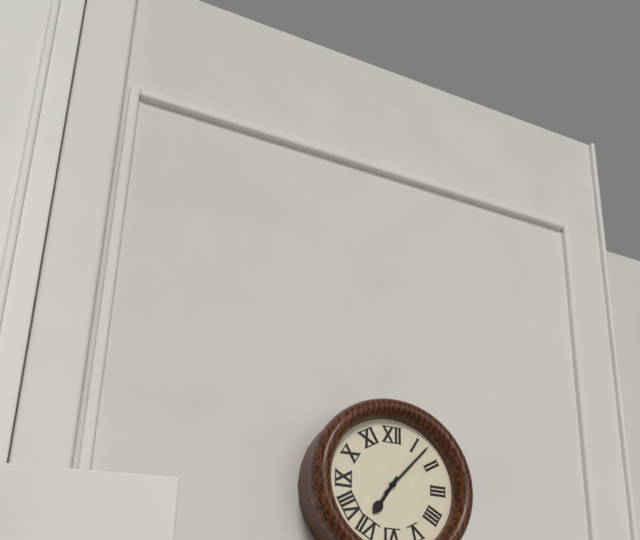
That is 7:07
